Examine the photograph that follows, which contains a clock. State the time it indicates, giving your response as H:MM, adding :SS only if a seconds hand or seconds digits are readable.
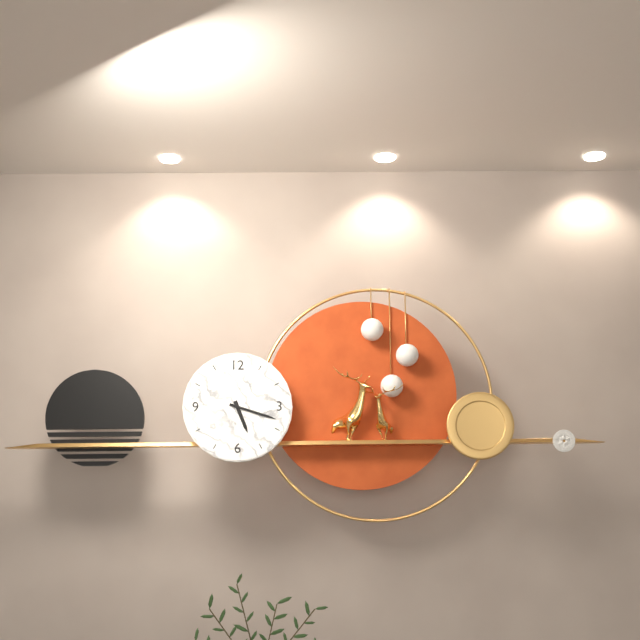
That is 5:18
